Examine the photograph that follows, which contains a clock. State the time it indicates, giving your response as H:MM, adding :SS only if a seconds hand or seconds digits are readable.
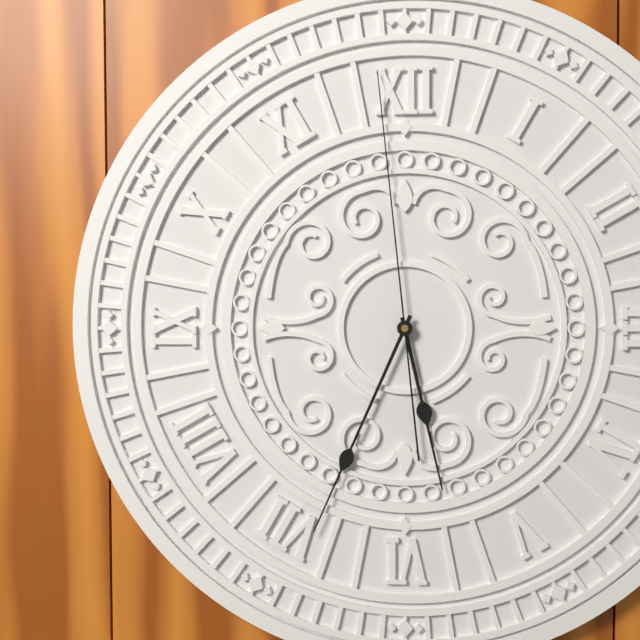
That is 5:34:59
